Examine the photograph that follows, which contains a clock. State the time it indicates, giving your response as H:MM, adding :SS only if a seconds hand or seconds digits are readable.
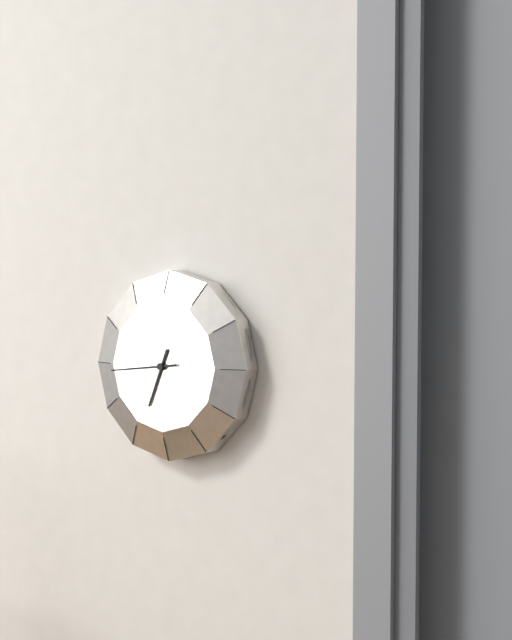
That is 6:44
